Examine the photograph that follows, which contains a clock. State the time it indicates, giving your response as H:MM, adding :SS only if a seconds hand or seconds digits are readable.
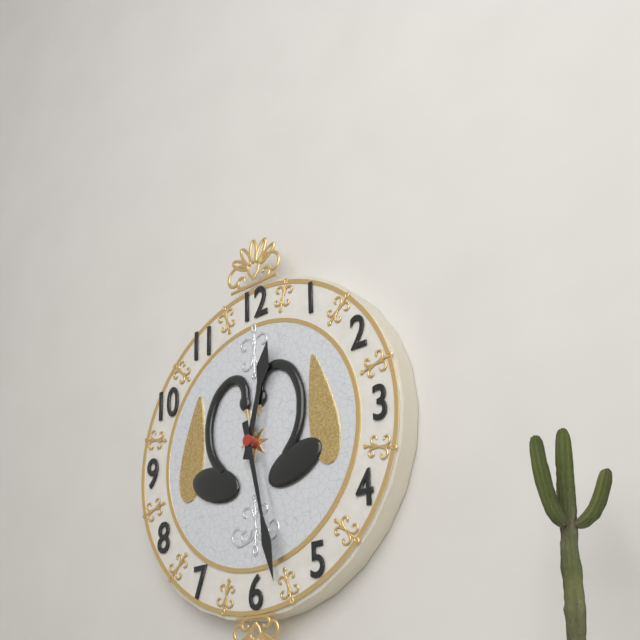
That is 12:28
